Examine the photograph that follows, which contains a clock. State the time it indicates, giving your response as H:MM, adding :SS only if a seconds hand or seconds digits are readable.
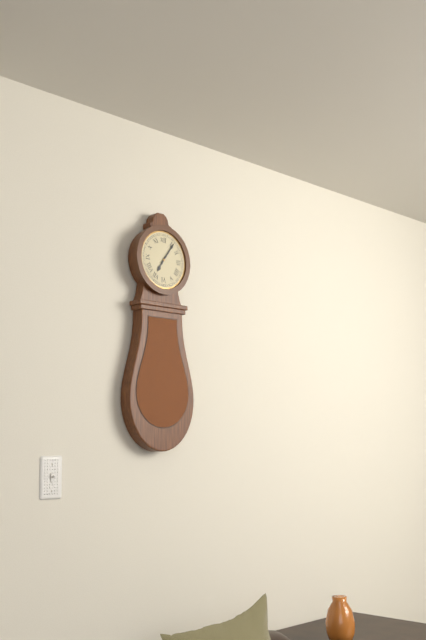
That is 7:06
